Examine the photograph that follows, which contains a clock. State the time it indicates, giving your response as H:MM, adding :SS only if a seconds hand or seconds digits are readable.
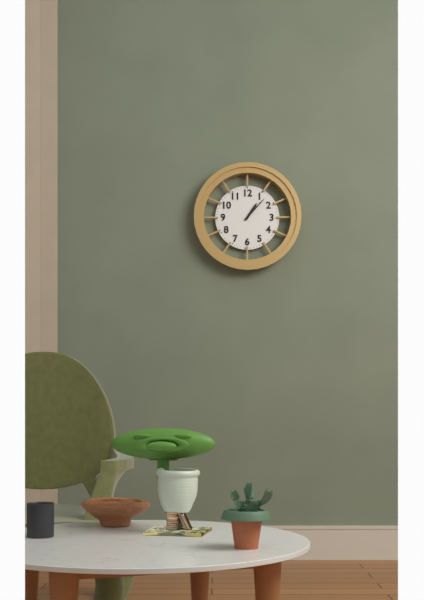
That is 1:07
